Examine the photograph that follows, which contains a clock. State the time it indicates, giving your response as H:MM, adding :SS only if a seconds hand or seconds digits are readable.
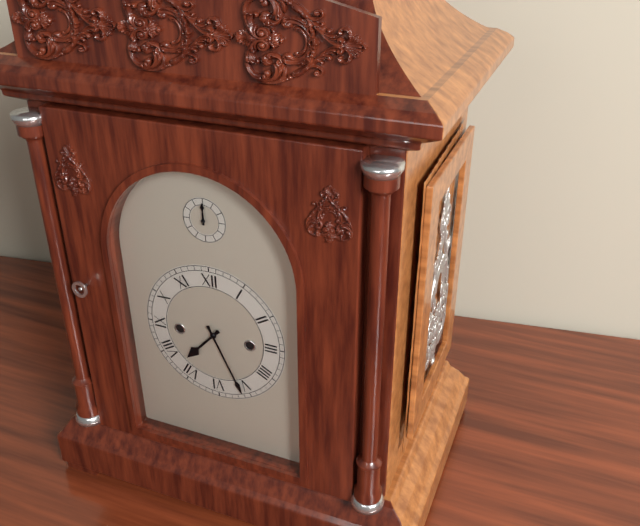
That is 7:26
